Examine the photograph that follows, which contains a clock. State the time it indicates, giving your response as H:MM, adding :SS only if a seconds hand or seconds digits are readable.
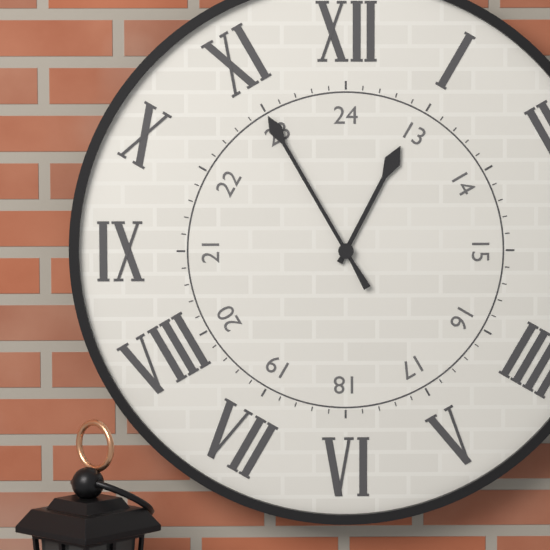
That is 12:55
